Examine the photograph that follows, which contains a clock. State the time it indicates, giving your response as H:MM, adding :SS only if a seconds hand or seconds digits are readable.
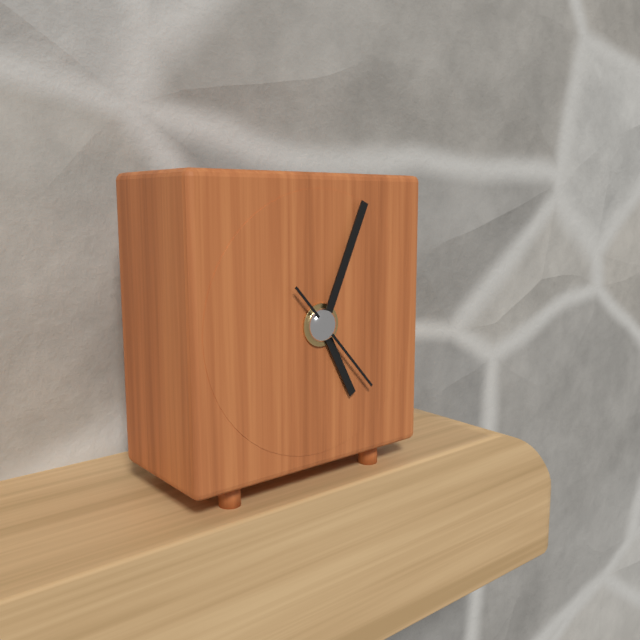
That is 5:04:23
